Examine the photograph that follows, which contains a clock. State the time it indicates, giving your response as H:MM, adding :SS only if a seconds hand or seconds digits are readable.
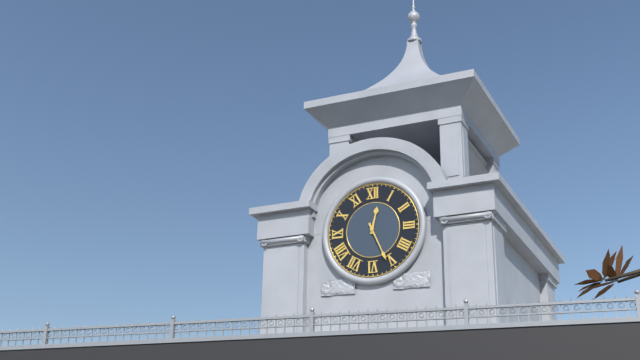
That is 12:26
